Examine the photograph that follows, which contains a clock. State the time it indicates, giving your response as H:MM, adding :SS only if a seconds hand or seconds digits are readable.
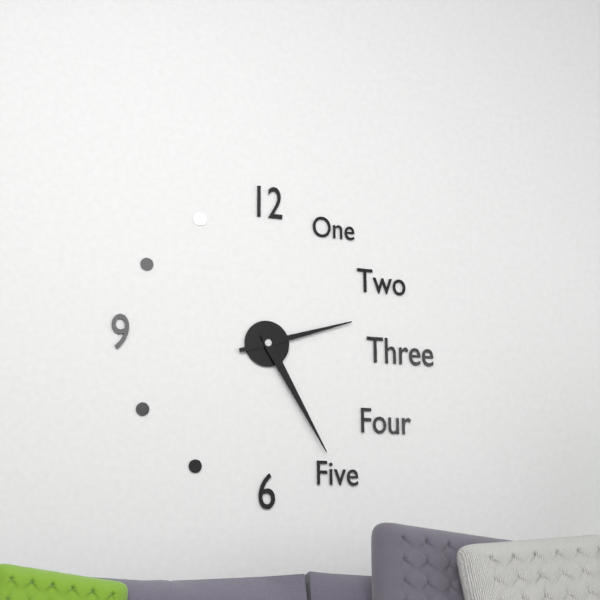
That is 2:25
